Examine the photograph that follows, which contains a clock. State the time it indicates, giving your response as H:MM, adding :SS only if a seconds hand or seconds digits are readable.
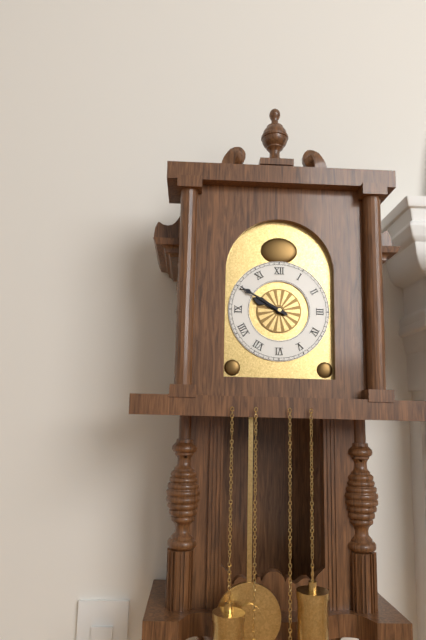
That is 9:50
